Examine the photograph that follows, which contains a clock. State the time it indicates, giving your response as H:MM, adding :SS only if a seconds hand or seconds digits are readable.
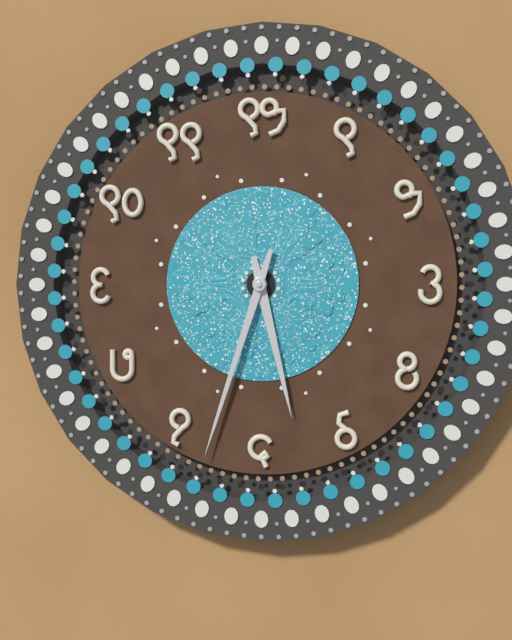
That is 5:33
